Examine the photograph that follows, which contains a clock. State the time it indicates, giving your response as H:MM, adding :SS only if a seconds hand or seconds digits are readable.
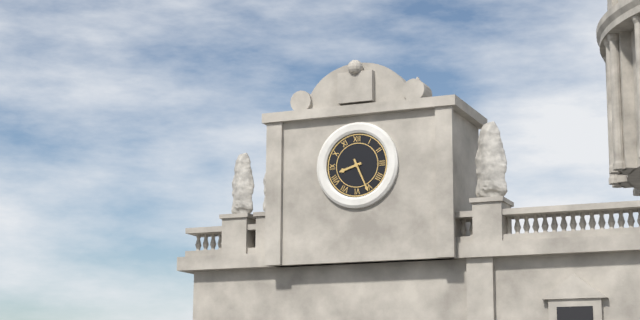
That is 8:26
